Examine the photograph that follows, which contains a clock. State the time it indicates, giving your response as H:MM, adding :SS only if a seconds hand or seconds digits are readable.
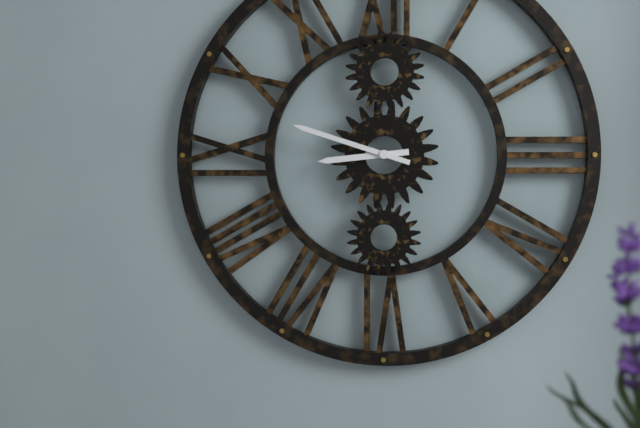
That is 8:48
